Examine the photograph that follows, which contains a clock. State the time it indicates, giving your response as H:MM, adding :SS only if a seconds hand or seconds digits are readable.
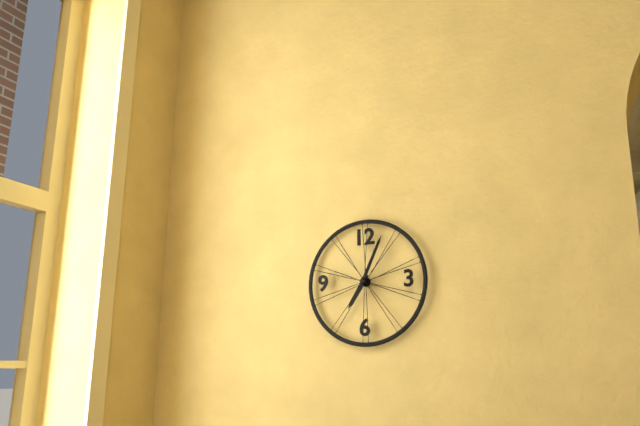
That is 7:04
